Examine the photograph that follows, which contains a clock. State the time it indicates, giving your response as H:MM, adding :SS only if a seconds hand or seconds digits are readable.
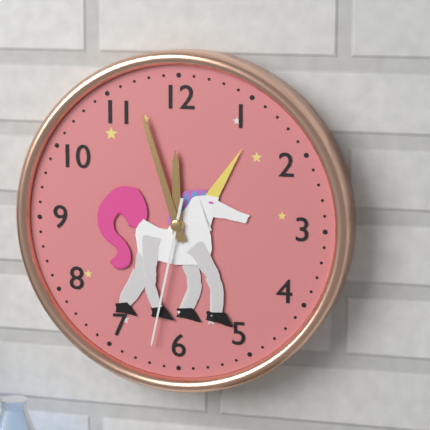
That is 11:57:32
